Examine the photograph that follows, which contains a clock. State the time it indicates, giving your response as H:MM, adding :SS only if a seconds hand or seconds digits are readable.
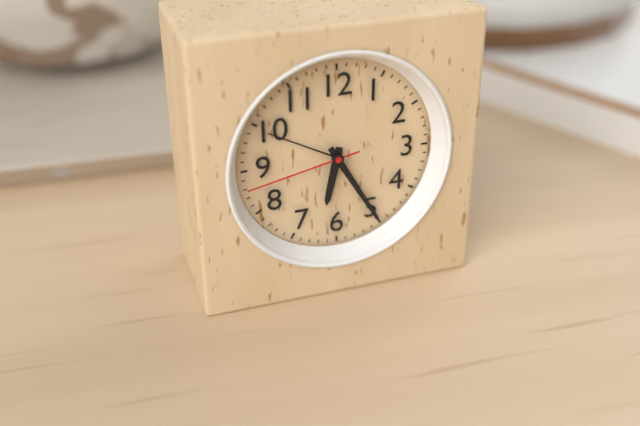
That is 6:25:43
